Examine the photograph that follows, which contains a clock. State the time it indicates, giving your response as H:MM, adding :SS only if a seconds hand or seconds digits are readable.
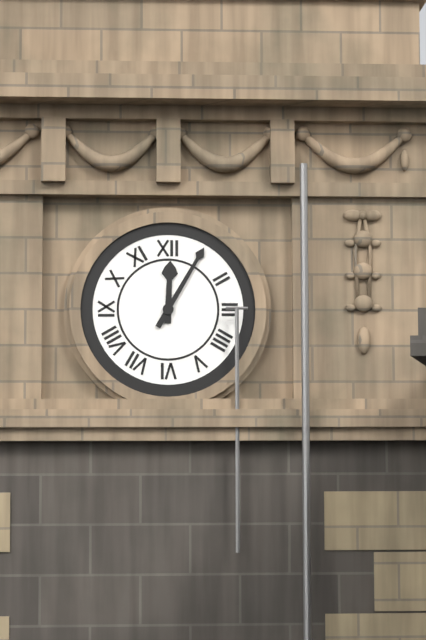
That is 12:05
